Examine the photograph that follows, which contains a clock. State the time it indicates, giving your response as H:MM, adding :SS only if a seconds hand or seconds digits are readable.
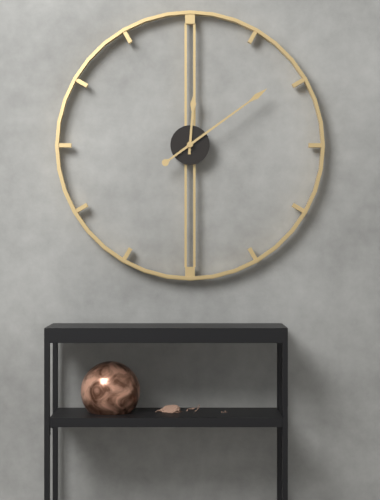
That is 12:09
